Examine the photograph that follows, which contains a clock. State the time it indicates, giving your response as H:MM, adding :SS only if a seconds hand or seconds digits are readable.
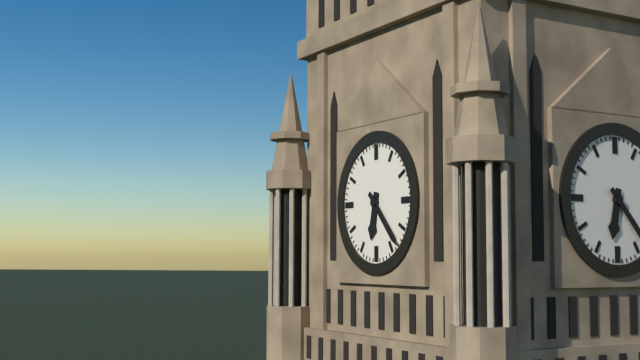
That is 6:23
